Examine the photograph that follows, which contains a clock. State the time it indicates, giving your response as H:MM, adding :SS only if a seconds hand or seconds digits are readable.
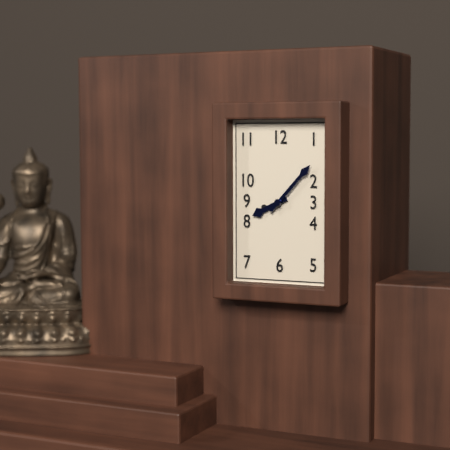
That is 8:07
